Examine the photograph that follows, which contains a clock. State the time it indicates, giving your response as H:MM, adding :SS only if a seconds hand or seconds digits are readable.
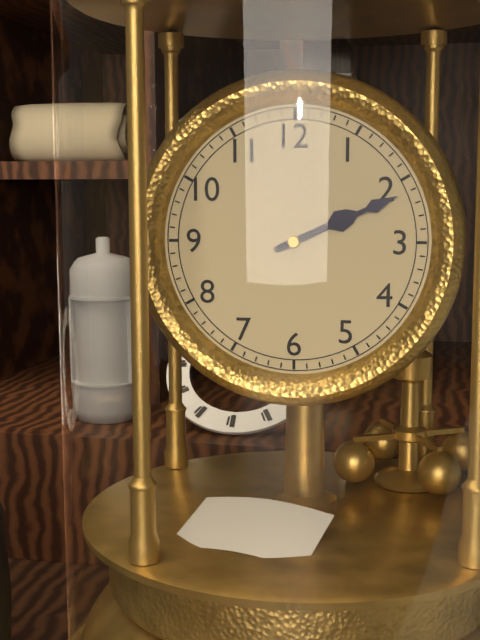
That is 2:11
